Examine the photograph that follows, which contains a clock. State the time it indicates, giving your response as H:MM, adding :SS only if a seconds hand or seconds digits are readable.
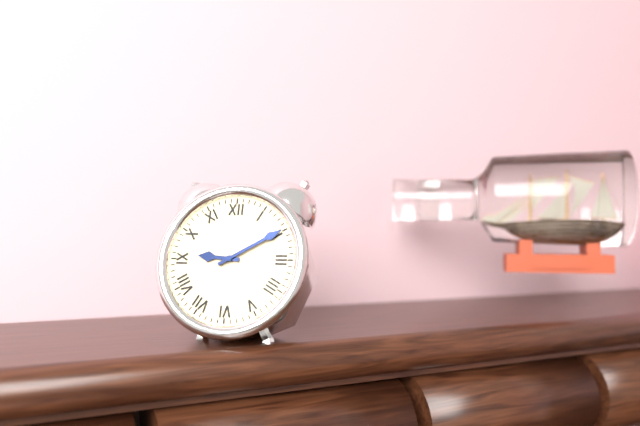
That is 9:10
